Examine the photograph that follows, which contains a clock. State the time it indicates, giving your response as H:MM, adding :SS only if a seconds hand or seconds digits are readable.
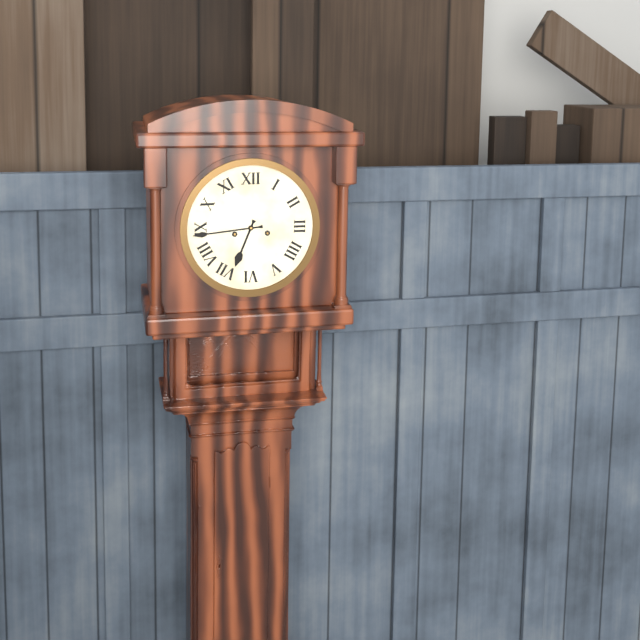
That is 6:44
